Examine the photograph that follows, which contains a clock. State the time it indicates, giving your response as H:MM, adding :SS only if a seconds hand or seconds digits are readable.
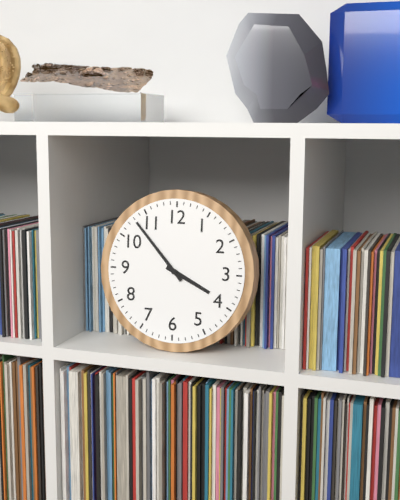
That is 3:53
